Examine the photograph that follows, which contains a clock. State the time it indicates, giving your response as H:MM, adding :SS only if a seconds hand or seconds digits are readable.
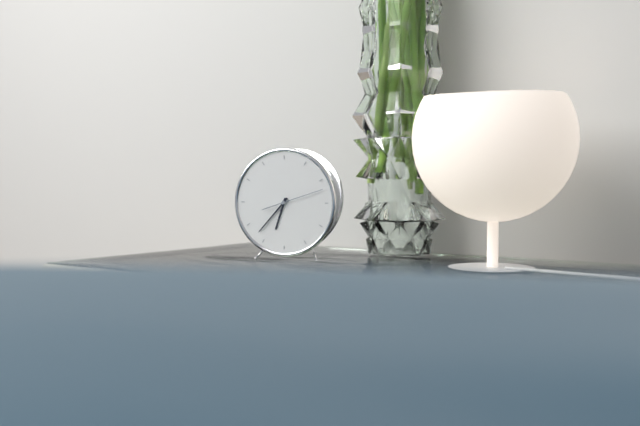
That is 6:37:12
